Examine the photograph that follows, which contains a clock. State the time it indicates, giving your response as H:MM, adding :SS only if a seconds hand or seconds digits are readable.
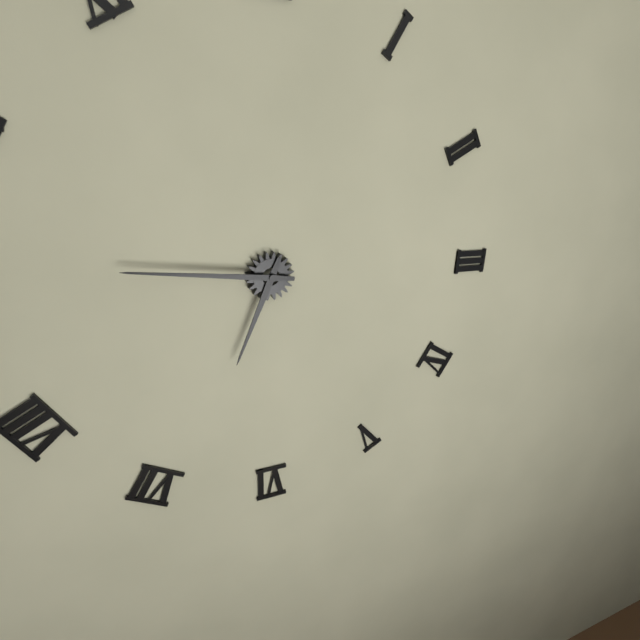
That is 6:46
